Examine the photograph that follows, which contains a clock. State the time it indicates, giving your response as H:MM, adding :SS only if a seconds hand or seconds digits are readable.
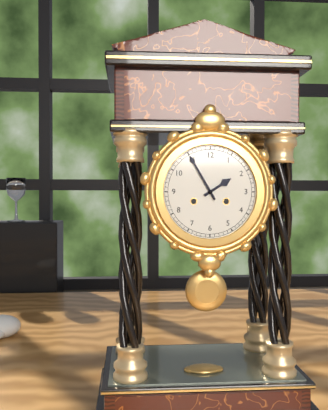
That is 1:55
